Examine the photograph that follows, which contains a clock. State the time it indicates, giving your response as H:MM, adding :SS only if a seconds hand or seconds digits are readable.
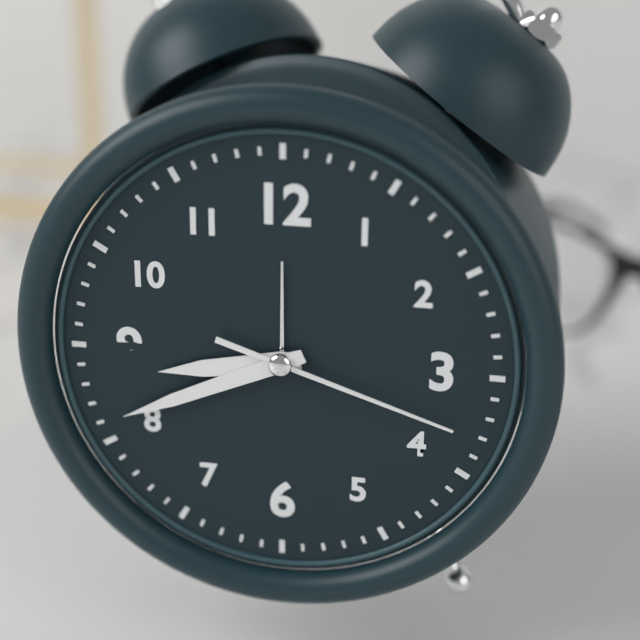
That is 8:41:18
